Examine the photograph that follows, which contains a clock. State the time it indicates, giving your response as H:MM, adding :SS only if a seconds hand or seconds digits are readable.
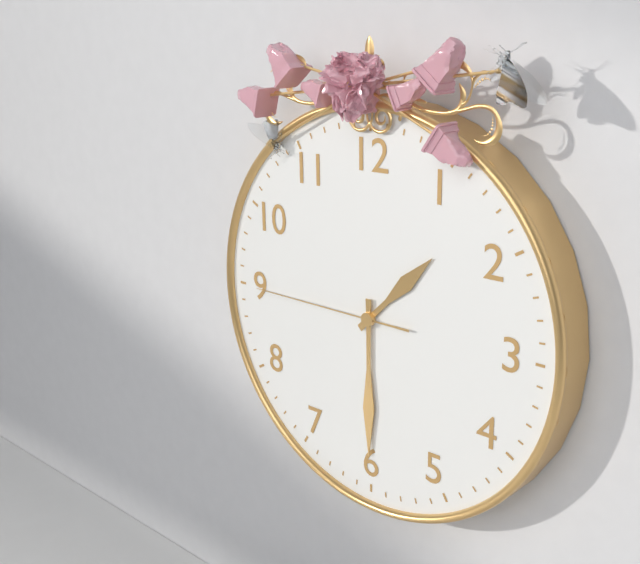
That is 1:30:45
